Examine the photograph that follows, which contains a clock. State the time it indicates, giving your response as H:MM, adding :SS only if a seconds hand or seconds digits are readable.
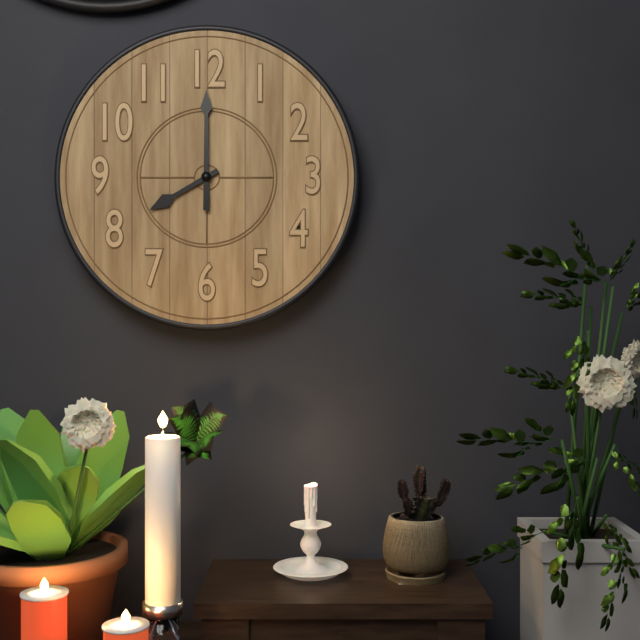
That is 8:00
